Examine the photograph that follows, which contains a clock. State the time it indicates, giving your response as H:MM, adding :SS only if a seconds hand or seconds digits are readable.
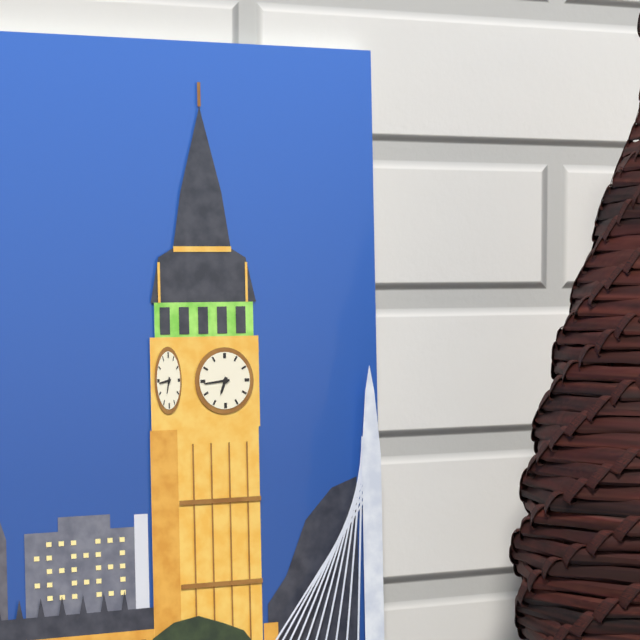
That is 6:44
